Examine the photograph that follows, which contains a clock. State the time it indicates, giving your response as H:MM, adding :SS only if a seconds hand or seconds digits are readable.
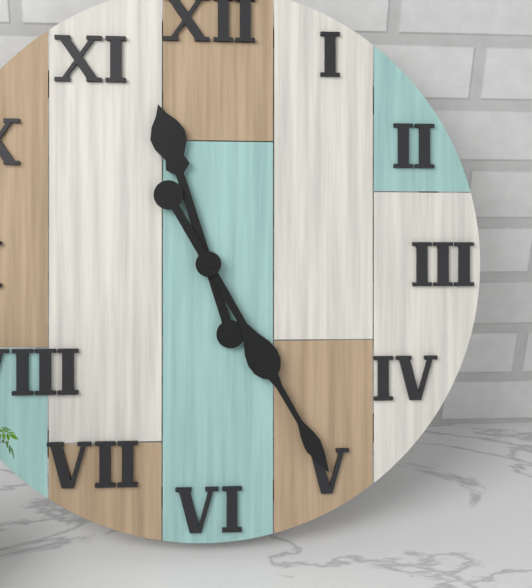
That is 11:25
